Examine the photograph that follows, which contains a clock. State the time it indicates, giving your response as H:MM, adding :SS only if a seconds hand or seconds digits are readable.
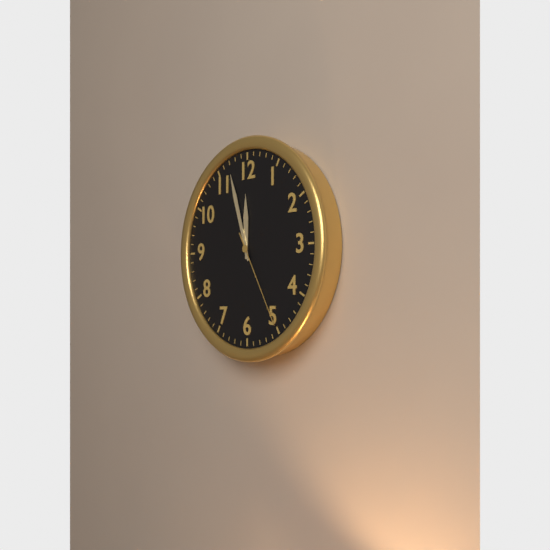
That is 11:57:25
